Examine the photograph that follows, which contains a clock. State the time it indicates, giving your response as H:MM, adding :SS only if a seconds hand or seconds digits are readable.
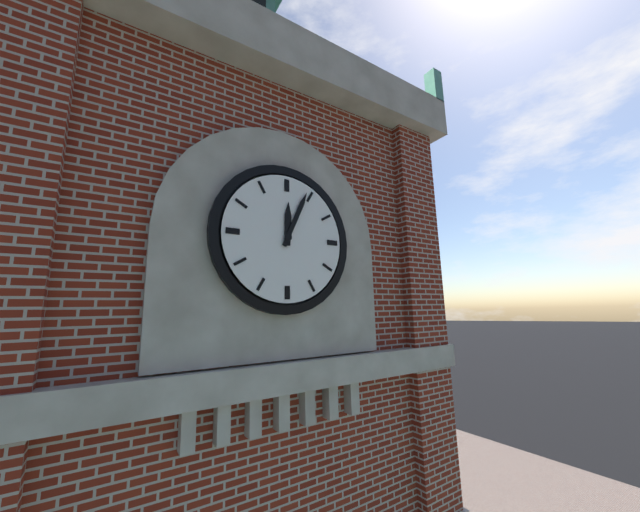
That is 12:04
